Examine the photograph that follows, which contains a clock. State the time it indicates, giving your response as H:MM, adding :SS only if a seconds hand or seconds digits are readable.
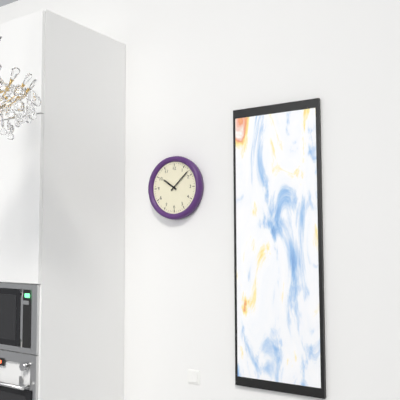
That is 10:08
